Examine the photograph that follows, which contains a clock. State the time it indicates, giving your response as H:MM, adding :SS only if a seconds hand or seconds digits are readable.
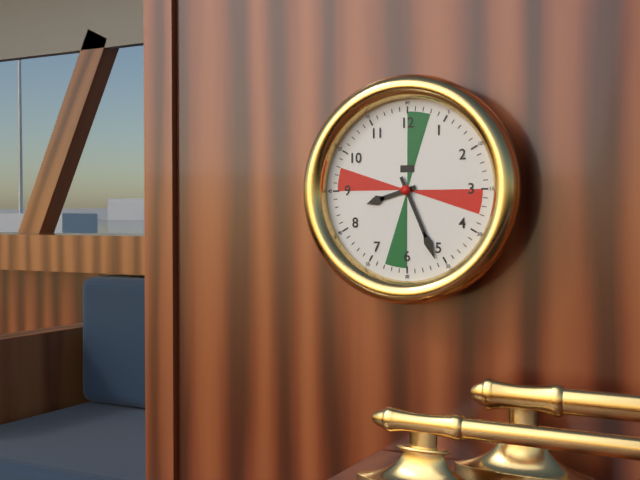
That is 8:26
